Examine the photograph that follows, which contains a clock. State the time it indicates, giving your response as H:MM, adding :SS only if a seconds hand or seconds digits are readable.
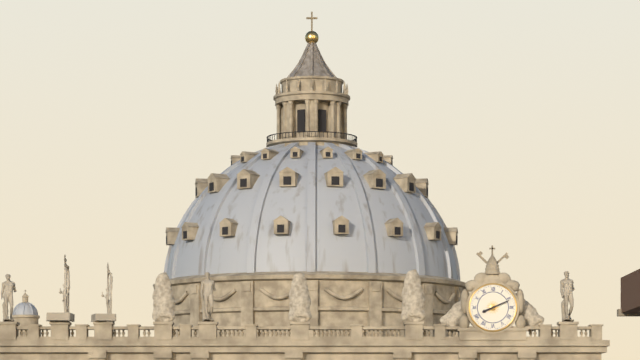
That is 8:11
